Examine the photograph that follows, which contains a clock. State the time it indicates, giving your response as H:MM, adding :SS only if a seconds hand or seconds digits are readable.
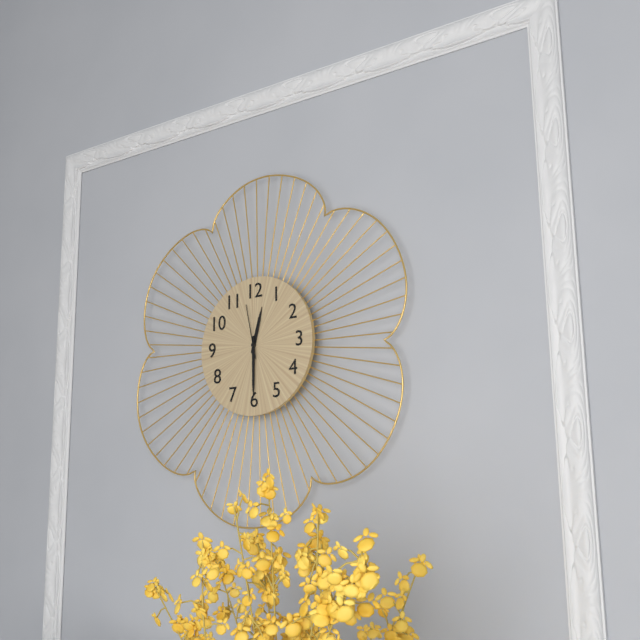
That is 12:30:58
